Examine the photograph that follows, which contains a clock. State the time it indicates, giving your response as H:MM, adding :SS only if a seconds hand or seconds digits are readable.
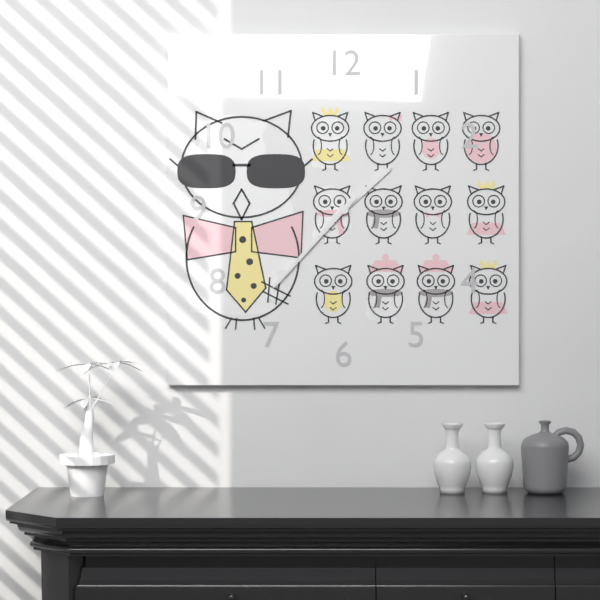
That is 1:37
